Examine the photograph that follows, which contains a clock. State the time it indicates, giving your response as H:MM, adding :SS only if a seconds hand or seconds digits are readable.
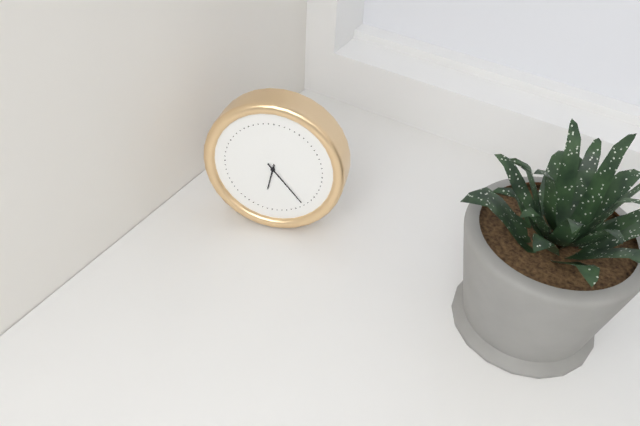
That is 6:23
